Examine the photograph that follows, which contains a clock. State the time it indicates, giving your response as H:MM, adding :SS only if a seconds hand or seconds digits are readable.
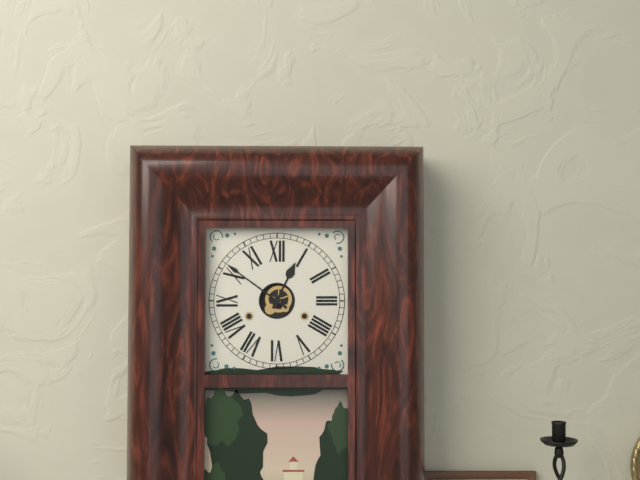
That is 12:51
